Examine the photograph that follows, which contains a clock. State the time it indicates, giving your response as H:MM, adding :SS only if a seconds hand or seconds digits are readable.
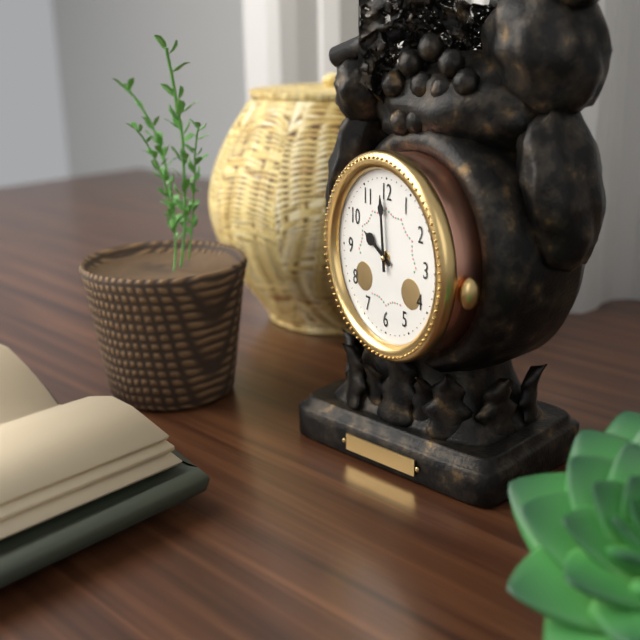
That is 9:59
